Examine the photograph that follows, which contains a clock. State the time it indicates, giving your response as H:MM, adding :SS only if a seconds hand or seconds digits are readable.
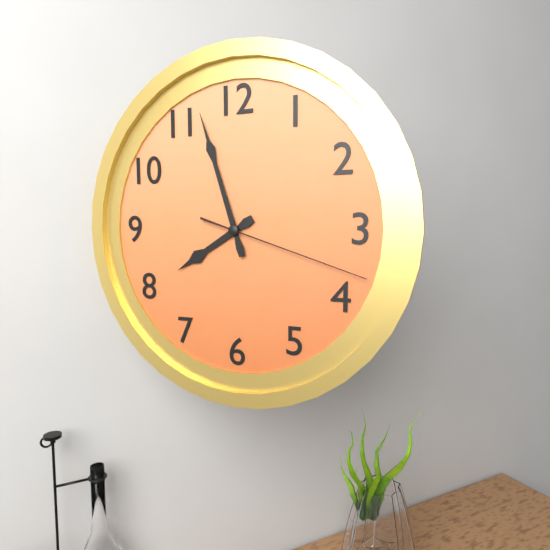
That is 7:57:18
